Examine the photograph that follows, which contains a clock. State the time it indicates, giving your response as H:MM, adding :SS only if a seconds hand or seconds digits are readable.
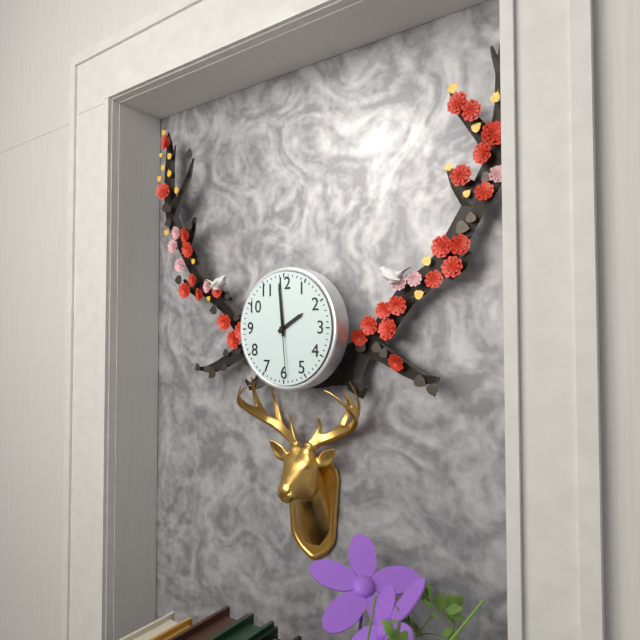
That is 1:59:29
